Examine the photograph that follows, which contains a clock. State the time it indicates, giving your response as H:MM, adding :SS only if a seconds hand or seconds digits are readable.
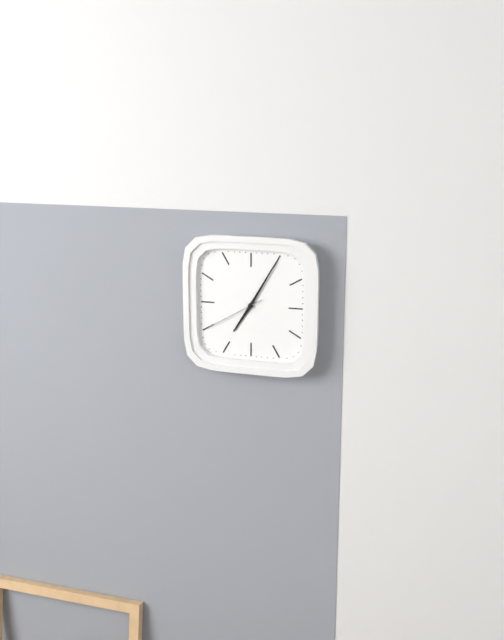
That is 7:05:40
